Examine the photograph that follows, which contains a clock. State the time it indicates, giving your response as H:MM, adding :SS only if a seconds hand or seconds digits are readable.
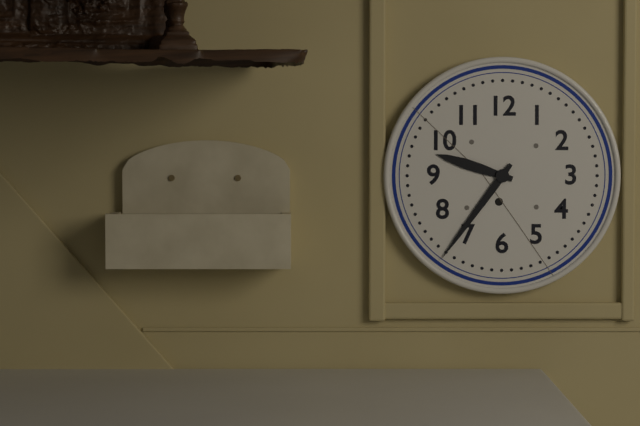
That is 9:36
